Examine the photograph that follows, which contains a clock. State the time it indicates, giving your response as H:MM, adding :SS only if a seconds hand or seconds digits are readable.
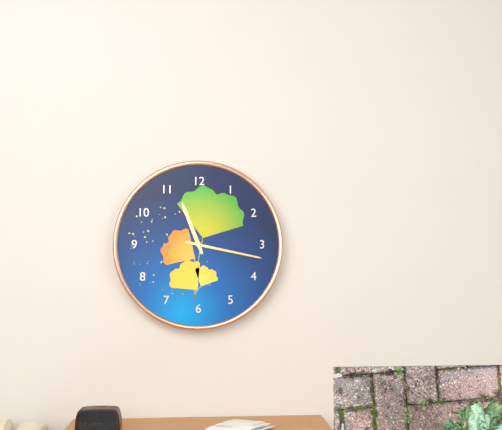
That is 11:17
